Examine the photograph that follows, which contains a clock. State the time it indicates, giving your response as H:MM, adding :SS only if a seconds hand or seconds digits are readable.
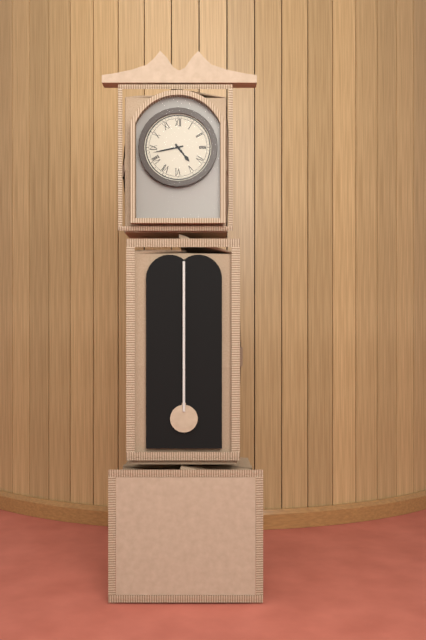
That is 4:43
